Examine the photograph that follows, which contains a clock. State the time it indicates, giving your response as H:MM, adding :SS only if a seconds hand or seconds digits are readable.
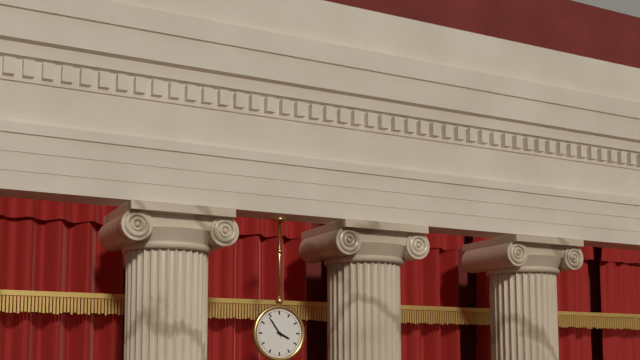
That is 3:54
